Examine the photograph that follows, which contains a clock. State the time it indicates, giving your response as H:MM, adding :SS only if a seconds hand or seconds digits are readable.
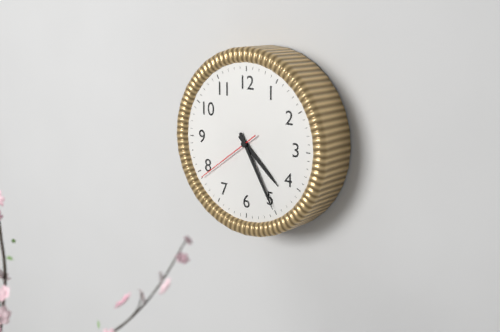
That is 4:25:39
